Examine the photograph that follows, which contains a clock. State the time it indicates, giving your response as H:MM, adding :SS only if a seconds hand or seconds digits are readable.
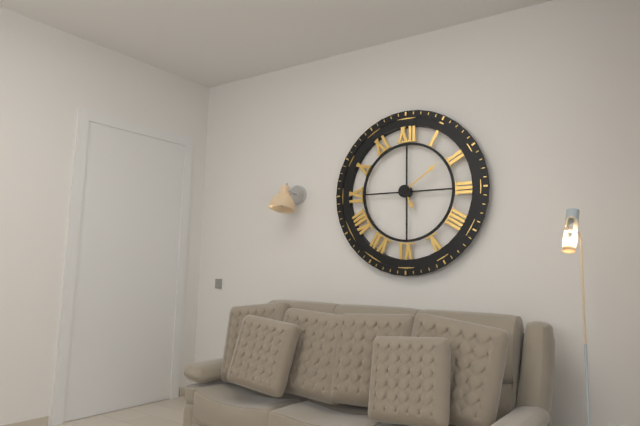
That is 5:09
